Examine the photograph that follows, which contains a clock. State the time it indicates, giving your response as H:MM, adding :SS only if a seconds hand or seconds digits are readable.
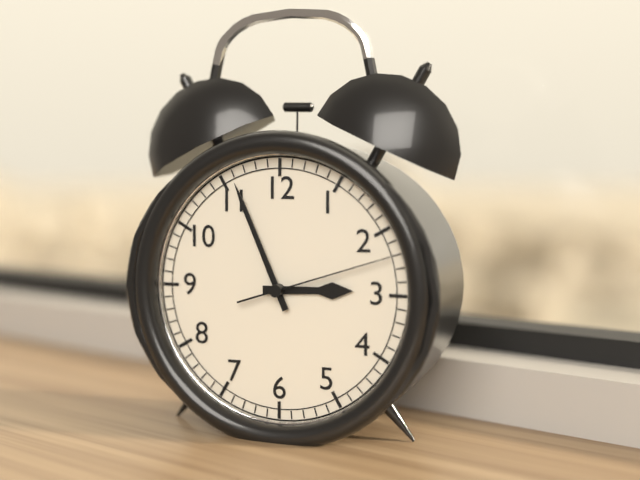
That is 2:56:12
